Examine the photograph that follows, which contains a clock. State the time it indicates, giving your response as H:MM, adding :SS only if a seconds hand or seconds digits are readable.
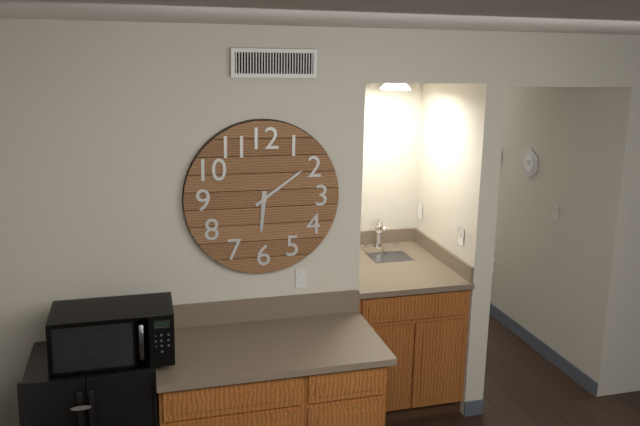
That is 6:09
